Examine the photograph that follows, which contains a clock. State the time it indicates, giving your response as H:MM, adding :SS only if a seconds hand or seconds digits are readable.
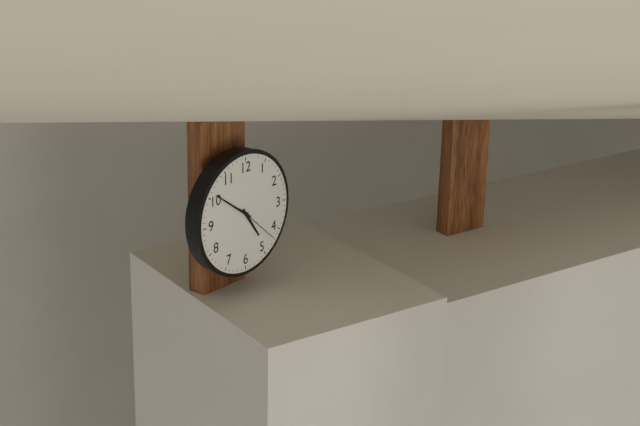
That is 4:51
